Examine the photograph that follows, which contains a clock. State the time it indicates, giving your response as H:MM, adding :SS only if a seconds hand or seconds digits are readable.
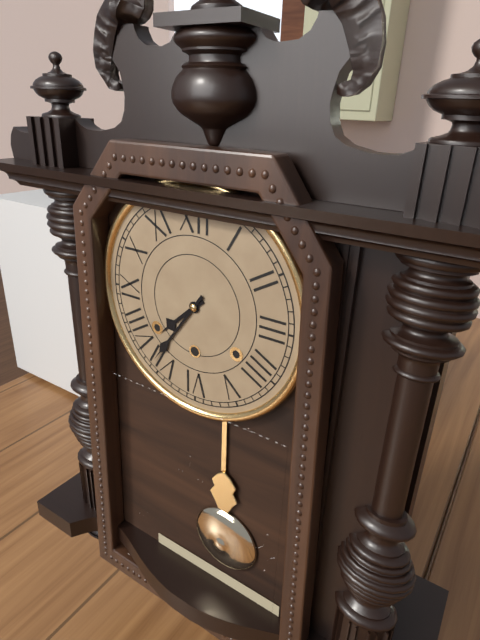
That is 7:36
